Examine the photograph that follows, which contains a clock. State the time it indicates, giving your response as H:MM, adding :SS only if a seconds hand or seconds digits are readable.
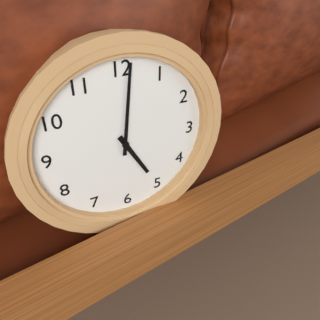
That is 5:01
